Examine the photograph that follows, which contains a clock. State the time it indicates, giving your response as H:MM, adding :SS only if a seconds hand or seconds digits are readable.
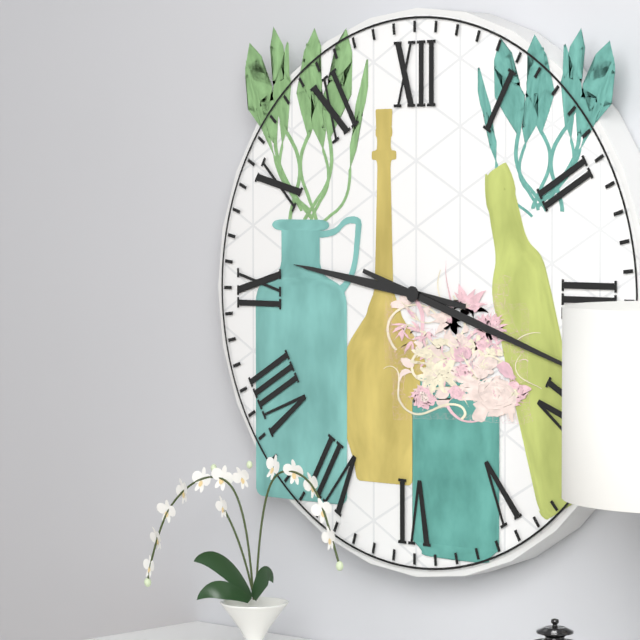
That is 9:18
